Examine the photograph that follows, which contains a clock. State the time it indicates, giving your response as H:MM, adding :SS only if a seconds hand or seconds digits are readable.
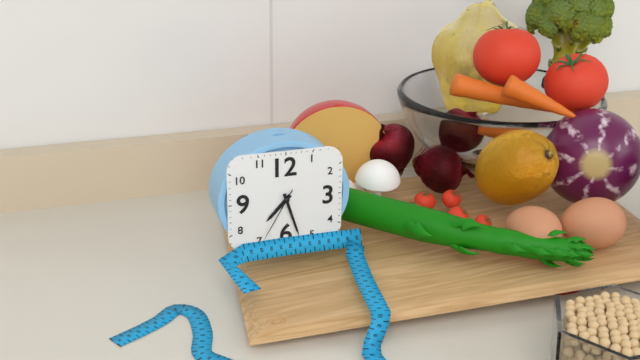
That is 7:27:35
